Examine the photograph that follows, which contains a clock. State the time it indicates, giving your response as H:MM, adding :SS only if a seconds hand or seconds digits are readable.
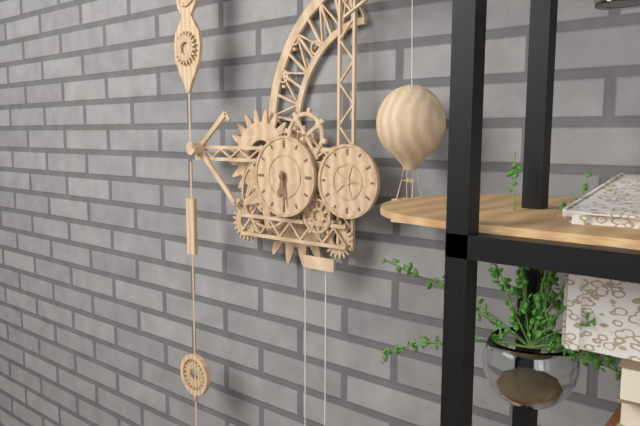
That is 6:29
